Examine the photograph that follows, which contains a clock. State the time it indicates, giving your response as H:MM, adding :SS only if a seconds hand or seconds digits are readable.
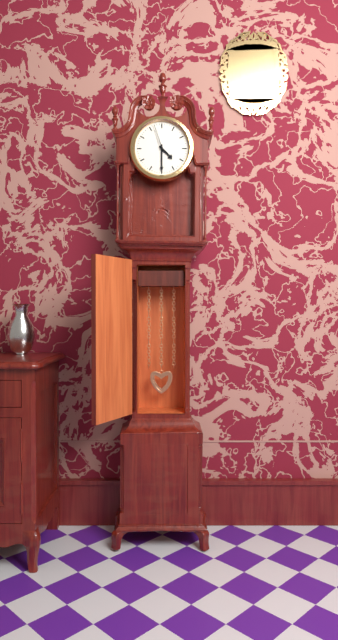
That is 4:30
